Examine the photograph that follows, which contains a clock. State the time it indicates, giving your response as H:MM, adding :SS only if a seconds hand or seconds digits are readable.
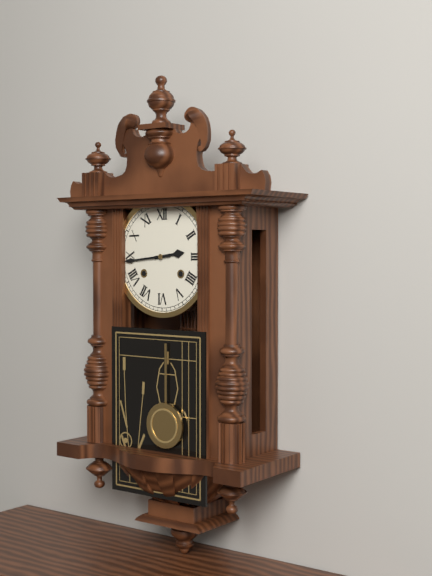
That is 2:44
